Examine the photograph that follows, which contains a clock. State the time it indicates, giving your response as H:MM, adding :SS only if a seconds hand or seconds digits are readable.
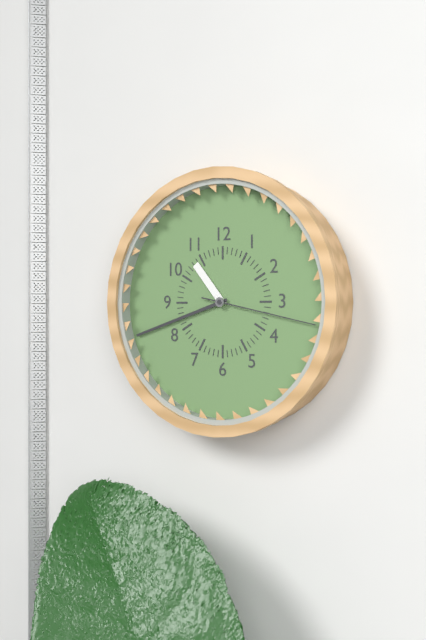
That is 10:42:17
